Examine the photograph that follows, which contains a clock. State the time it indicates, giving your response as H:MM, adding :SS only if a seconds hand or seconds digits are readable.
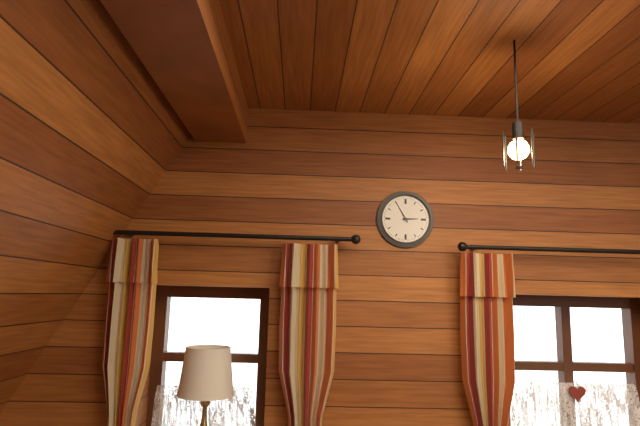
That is 2:55
